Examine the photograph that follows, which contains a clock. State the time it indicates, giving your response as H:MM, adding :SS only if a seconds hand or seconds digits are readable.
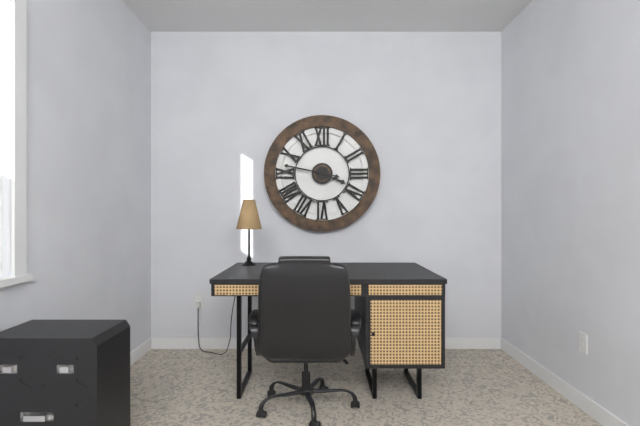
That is 3:47
